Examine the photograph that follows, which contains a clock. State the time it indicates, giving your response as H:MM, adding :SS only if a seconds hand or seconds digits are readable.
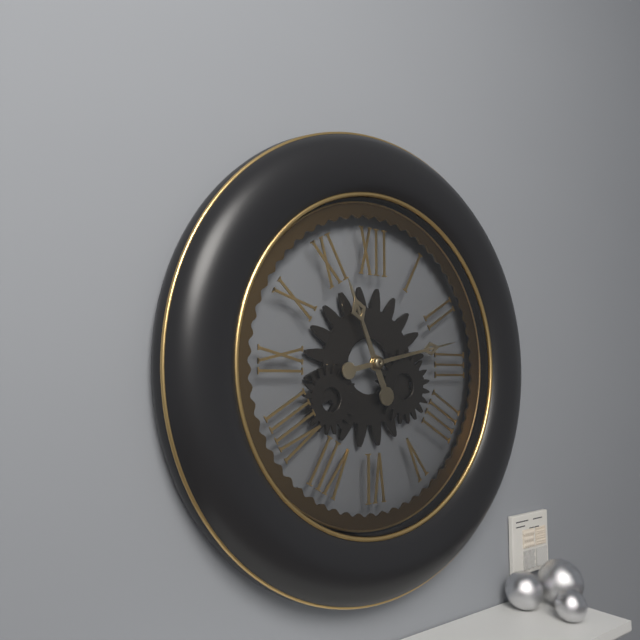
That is 11:13
